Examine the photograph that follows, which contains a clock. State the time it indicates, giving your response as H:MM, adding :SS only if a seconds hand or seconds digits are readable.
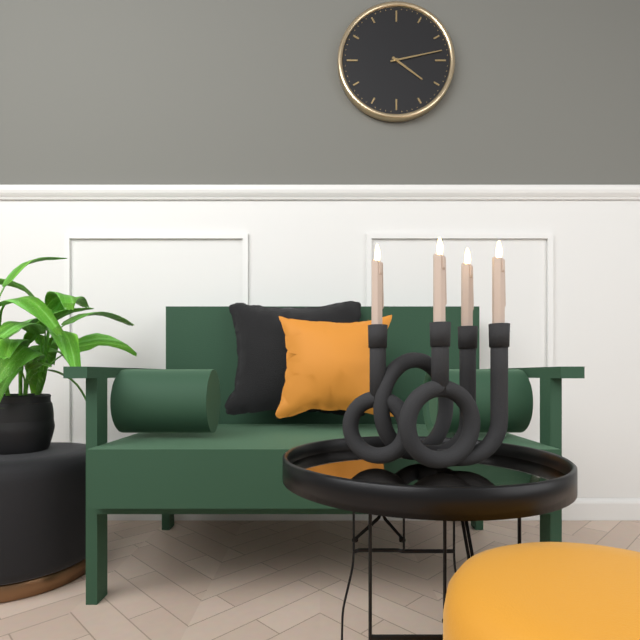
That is 4:13
